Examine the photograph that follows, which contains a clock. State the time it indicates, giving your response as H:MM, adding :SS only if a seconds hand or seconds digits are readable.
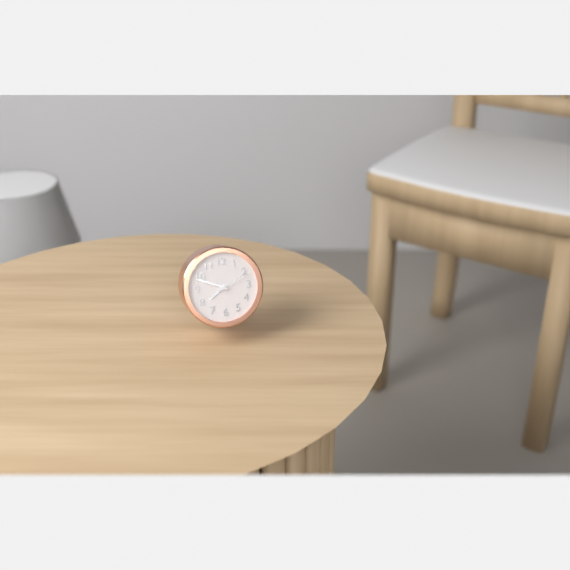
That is 7:49
